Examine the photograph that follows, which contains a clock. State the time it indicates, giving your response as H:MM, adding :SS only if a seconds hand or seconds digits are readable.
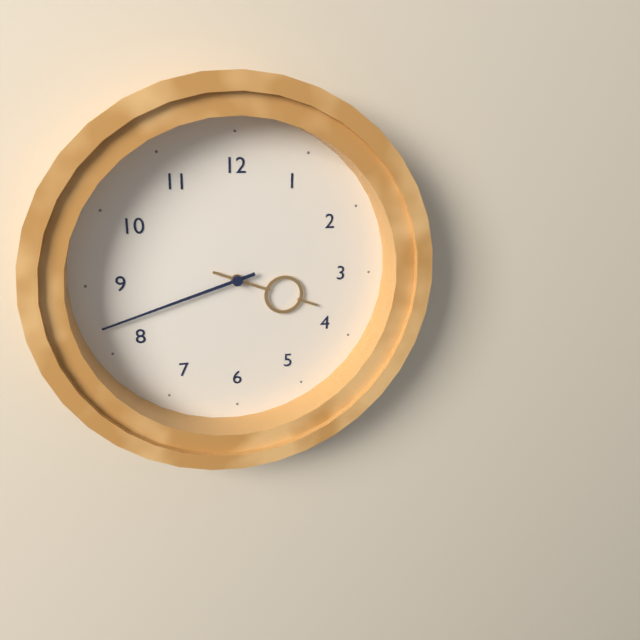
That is 3:42
